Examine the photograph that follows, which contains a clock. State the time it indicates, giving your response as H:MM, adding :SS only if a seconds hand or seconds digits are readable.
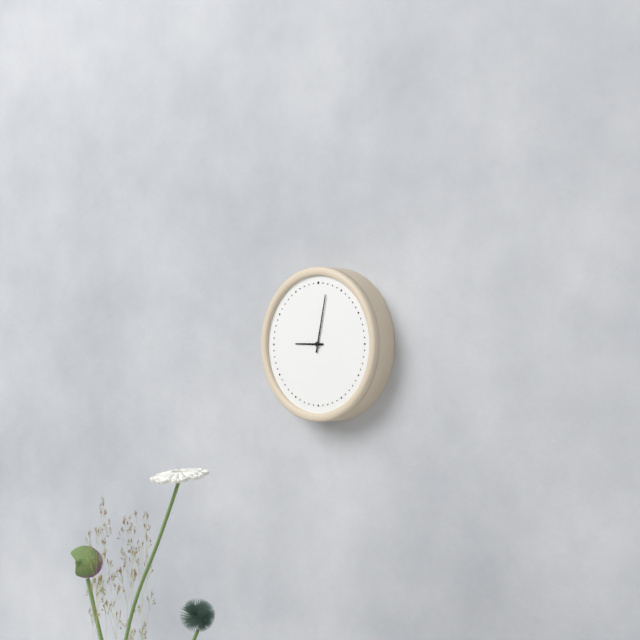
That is 9:02
